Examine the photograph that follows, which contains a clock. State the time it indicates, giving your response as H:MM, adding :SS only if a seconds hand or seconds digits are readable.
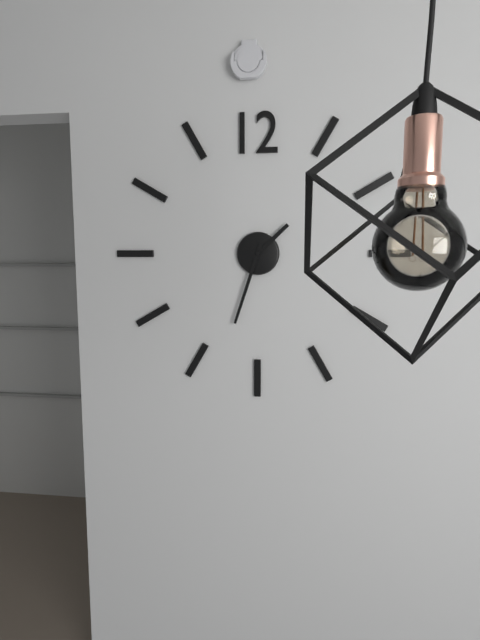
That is 1:33
